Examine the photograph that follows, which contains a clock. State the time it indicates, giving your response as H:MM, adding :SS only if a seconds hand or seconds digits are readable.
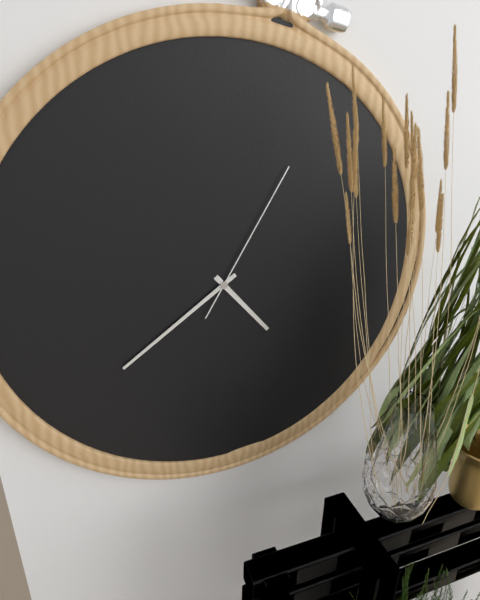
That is 4:39:05
